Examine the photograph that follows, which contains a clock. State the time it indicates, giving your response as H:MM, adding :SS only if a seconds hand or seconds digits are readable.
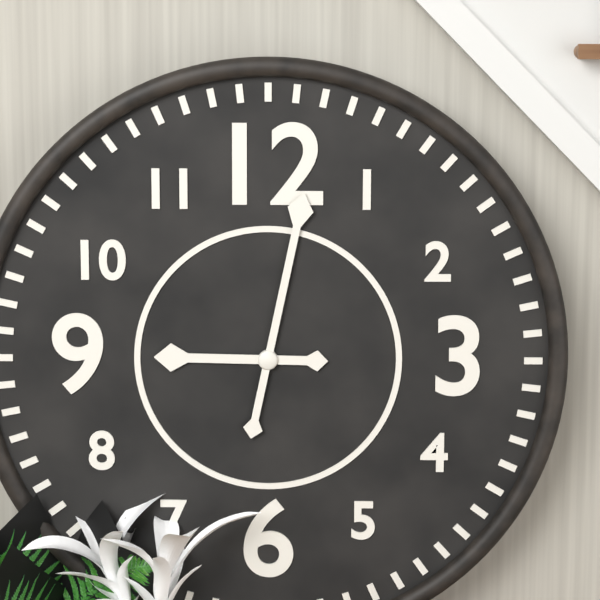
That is 9:02
